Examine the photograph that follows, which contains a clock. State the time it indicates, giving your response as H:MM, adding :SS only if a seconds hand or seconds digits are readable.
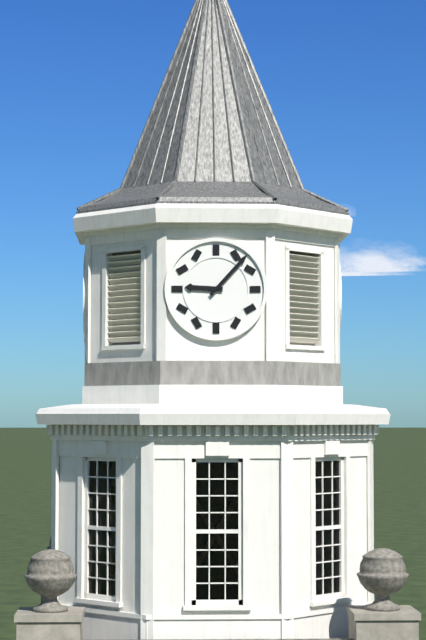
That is 9:07
